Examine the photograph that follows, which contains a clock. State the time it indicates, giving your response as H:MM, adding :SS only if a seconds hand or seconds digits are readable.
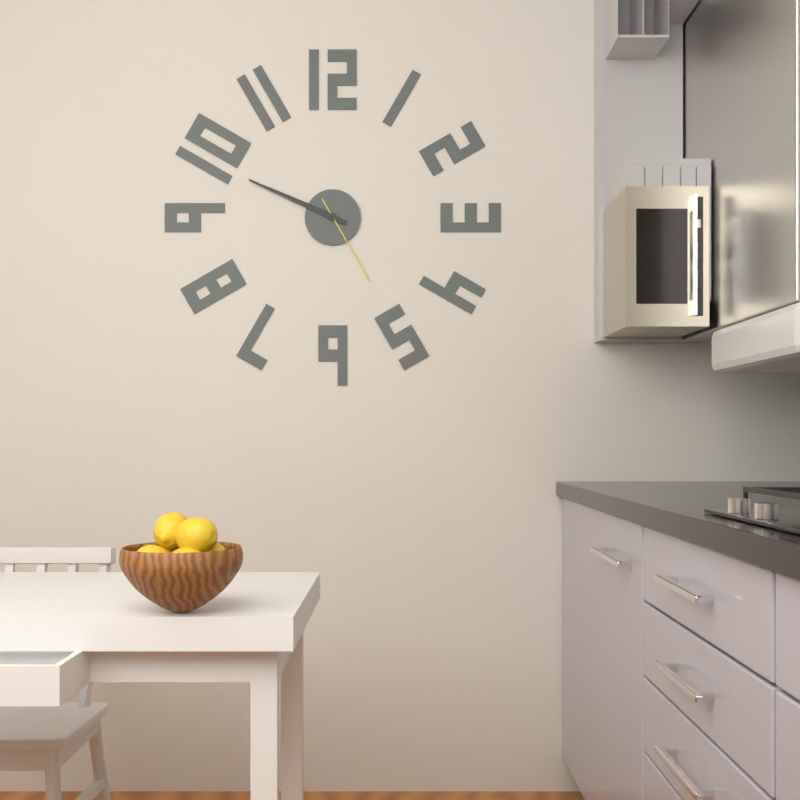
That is 9:49:25
